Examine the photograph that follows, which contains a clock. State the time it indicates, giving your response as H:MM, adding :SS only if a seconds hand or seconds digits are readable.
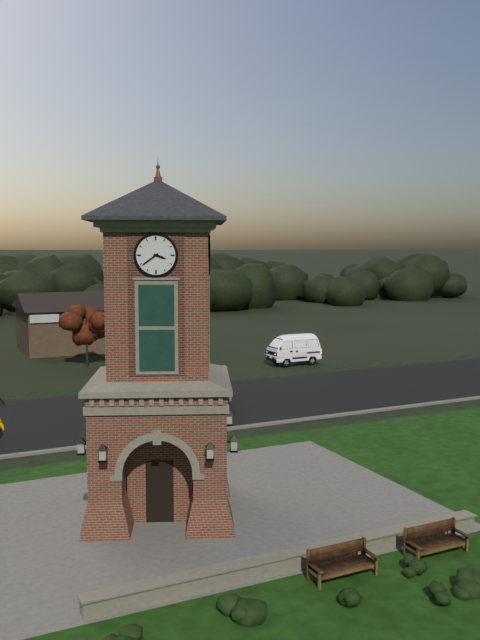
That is 3:39
